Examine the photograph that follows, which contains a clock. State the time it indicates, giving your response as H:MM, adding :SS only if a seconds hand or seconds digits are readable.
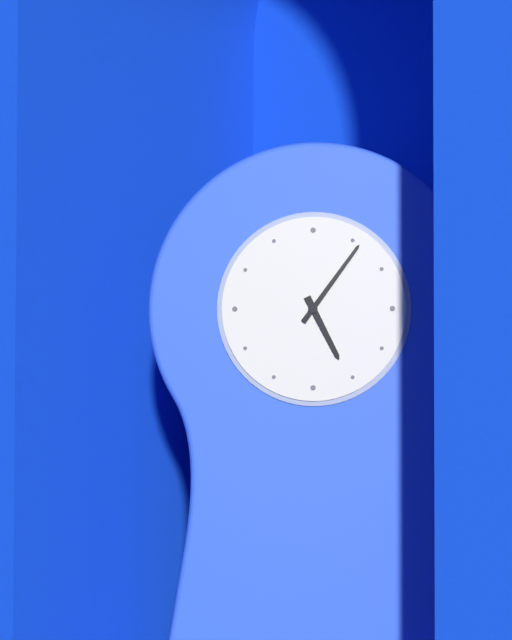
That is 5:06
